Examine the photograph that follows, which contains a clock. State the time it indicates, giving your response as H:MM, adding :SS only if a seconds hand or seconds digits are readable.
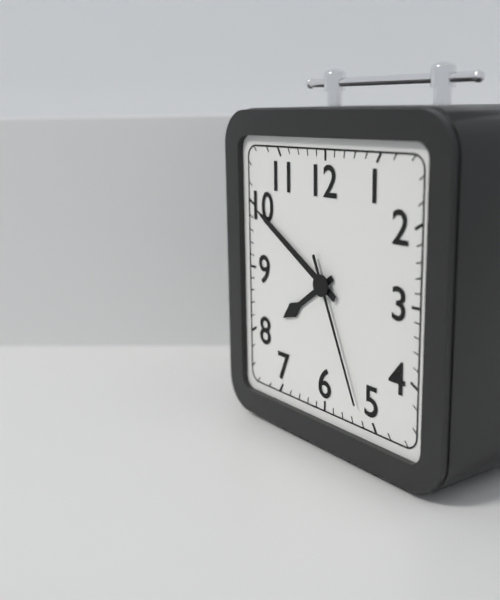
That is 7:50:26
